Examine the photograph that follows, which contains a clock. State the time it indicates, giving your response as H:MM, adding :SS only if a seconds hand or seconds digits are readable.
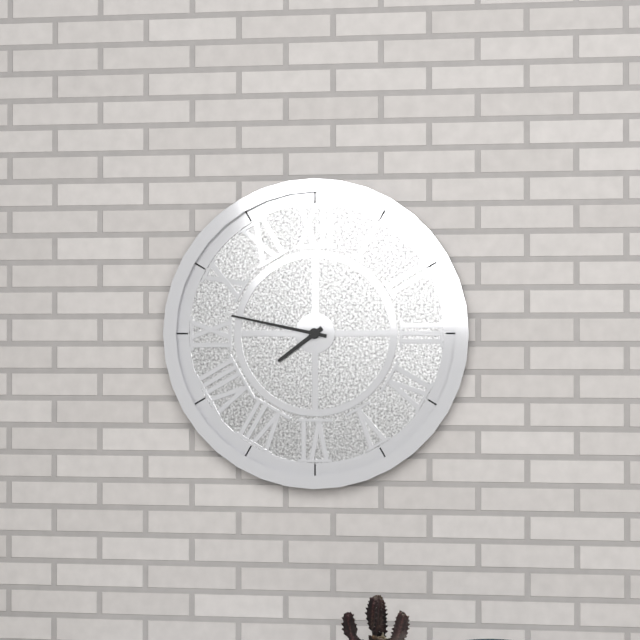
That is 7:47
